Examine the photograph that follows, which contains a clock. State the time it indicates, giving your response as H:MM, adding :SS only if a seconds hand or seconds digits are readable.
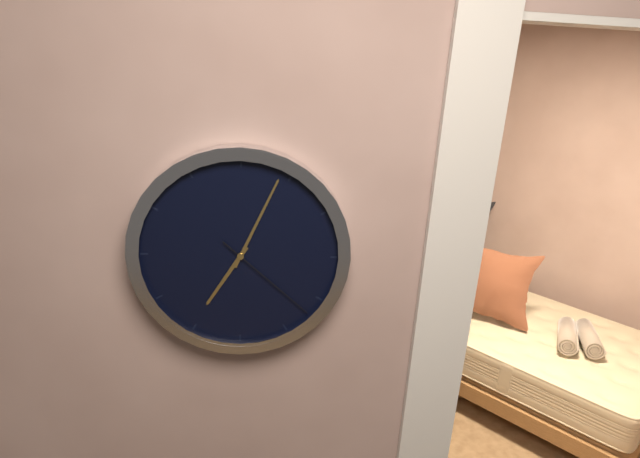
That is 7:04:22
